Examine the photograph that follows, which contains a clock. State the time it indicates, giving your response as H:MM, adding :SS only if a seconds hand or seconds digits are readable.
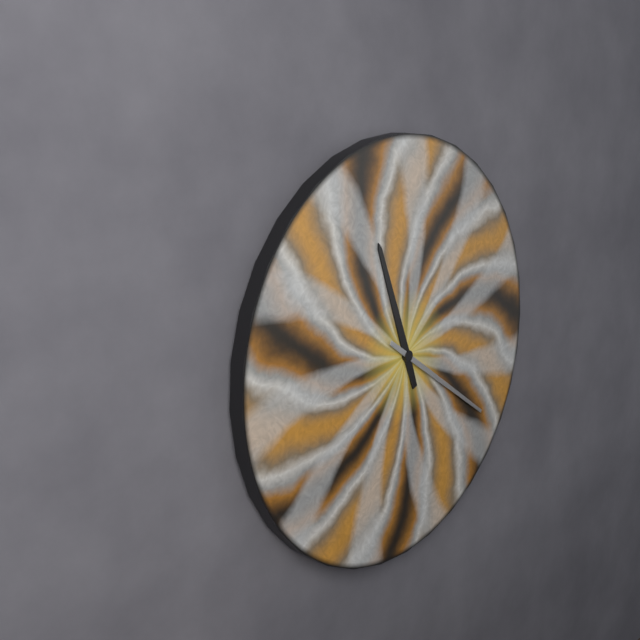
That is 11:21
